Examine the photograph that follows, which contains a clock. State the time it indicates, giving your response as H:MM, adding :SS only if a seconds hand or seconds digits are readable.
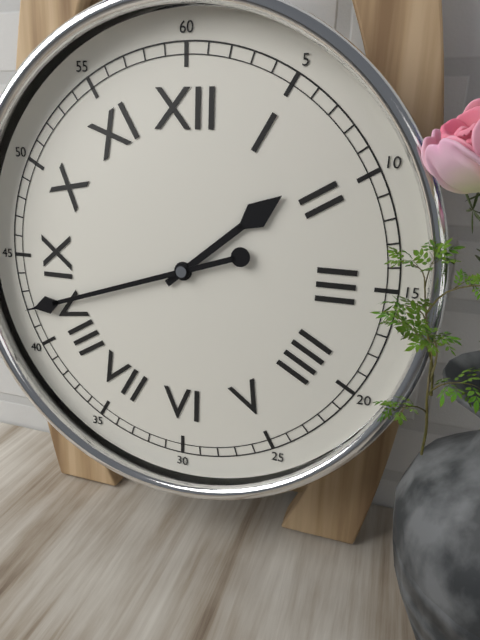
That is 1:42
